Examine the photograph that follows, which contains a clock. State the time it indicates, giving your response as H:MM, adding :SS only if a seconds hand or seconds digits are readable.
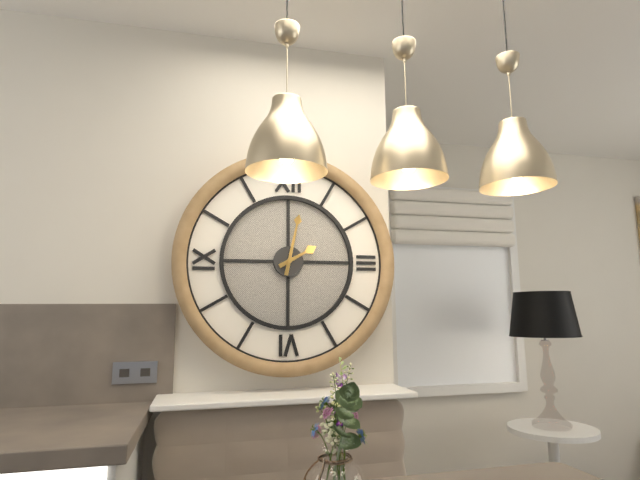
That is 2:02
